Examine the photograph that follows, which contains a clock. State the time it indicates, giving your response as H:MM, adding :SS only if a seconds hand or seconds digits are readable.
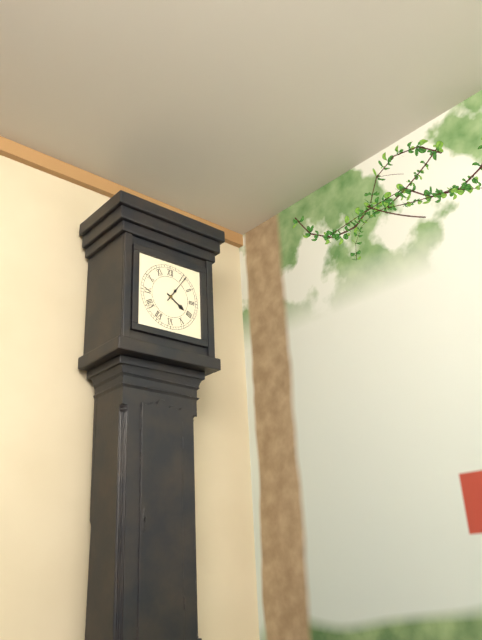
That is 4:06
